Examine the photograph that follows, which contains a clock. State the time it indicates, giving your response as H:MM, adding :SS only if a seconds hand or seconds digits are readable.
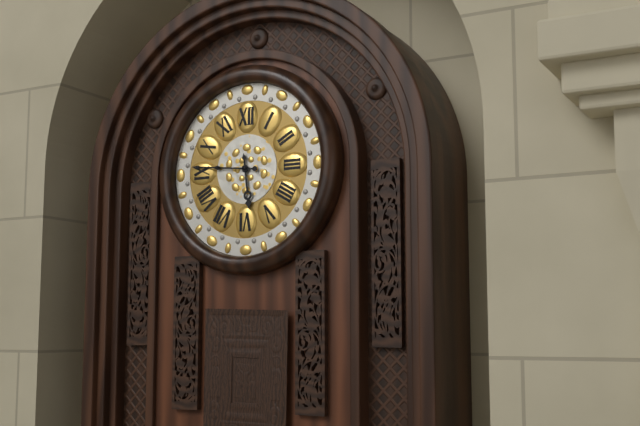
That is 5:46
